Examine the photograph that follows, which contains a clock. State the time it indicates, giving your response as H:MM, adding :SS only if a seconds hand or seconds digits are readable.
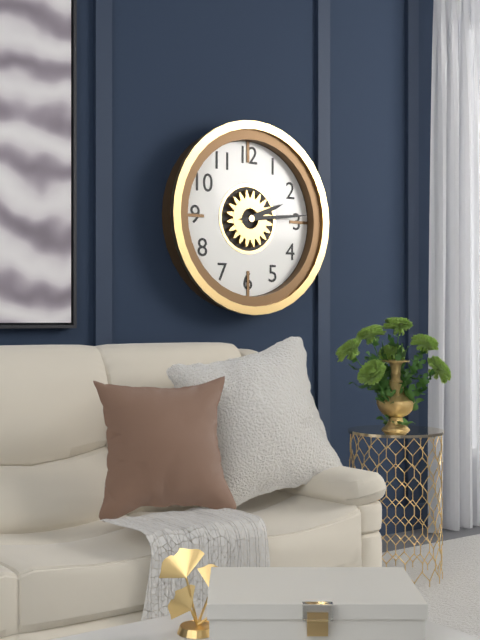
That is 2:14
